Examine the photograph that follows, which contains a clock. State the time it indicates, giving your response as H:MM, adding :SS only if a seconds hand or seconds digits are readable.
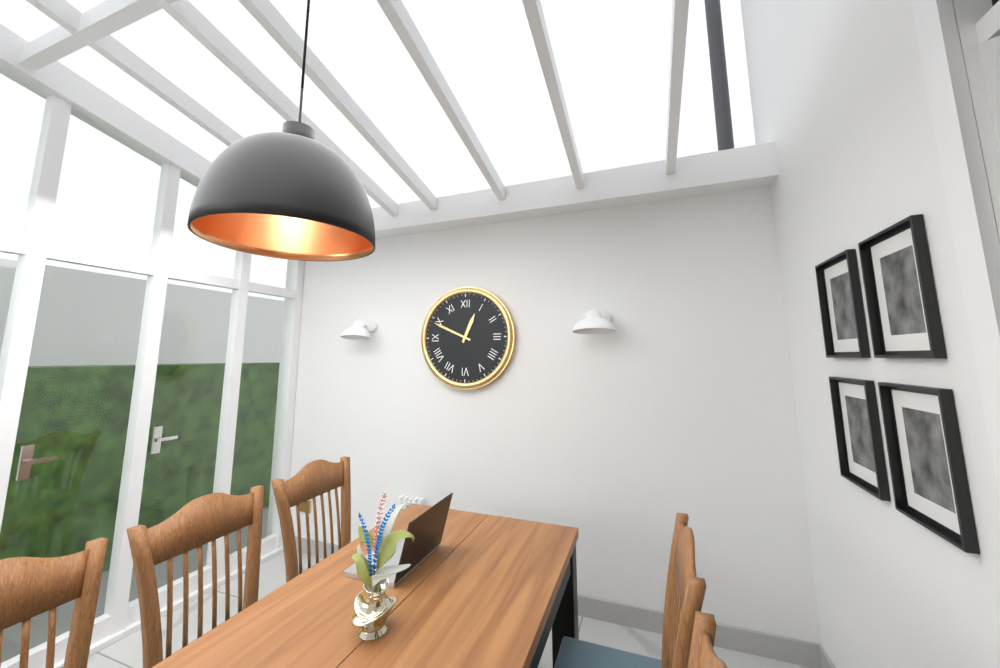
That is 12:49
